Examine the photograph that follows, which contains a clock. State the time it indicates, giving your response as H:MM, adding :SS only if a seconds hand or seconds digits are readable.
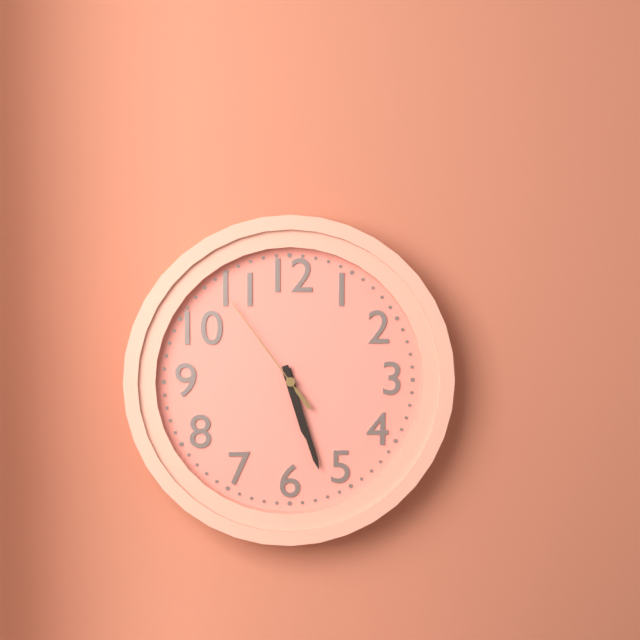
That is 5:27:54
